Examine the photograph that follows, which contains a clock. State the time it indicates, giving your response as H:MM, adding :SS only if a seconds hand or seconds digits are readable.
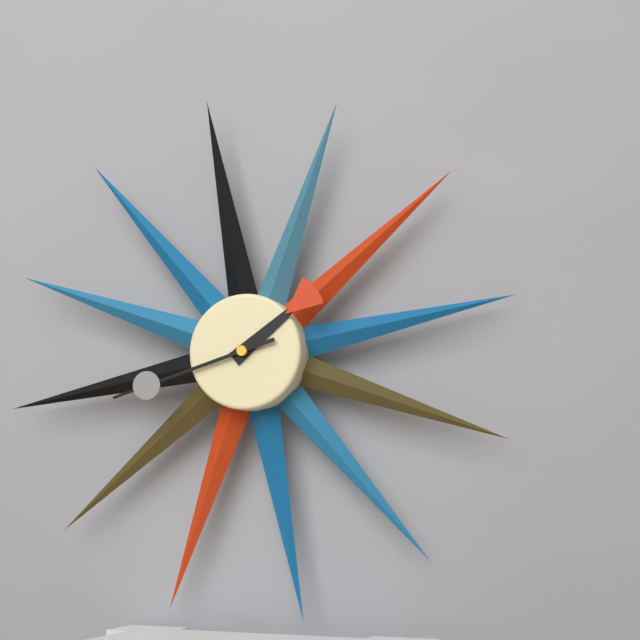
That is 1:42
